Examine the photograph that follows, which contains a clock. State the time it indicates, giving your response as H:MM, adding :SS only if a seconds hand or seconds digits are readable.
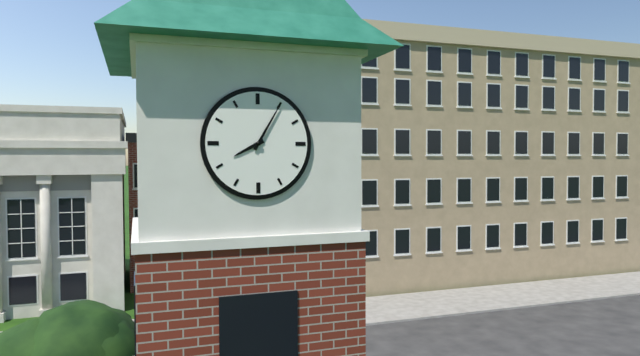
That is 8:05
